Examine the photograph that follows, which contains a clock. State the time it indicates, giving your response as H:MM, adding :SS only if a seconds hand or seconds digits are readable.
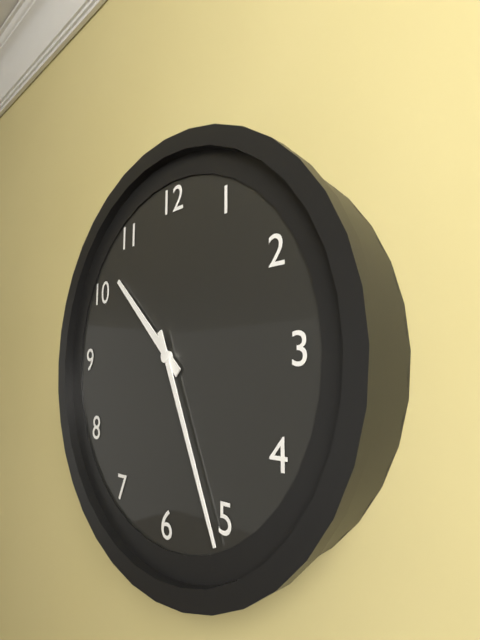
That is 10:26
